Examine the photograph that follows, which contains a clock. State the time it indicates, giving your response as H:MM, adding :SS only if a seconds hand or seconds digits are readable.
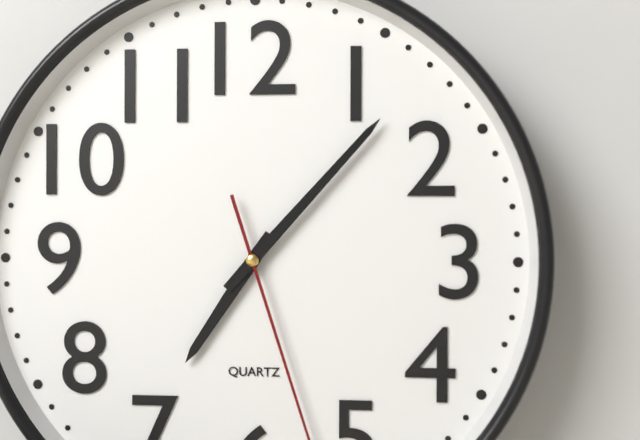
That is 7:07
